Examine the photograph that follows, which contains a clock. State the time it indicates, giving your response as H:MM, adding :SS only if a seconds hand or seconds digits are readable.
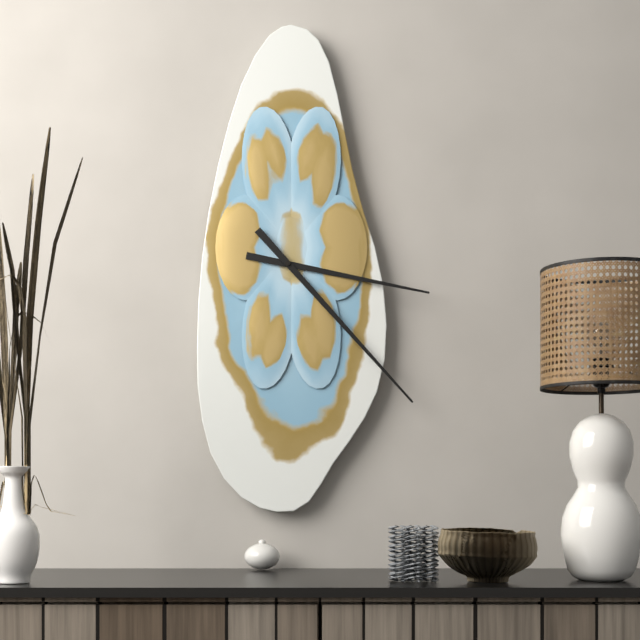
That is 3:23
